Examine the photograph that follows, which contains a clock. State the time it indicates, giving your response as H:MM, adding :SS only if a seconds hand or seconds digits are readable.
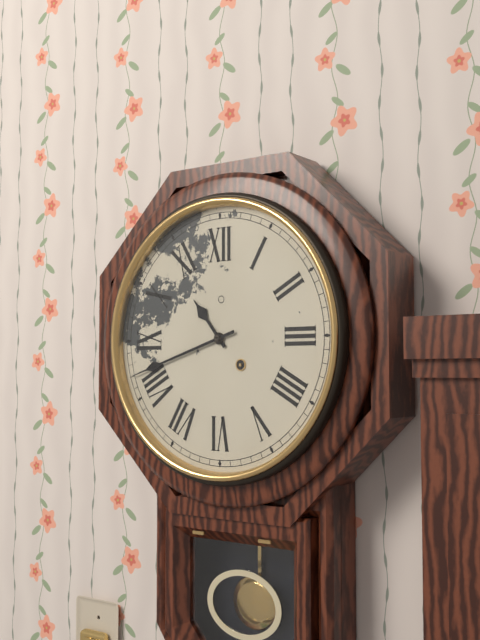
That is 10:42
